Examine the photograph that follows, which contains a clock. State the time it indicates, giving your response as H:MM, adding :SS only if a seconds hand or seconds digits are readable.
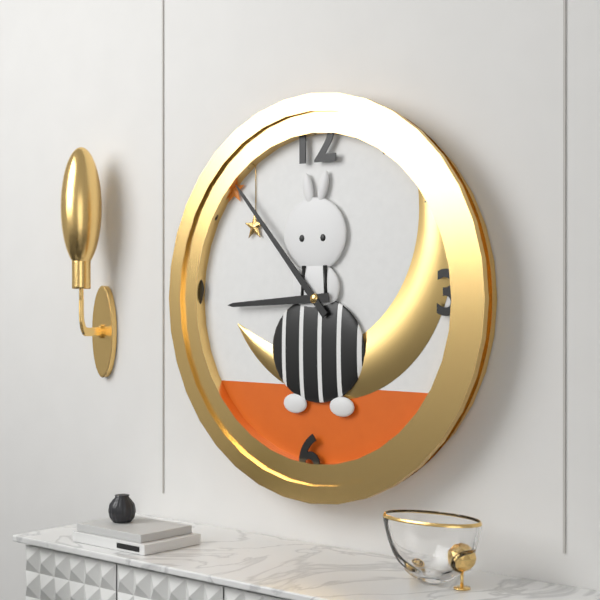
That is 8:53
